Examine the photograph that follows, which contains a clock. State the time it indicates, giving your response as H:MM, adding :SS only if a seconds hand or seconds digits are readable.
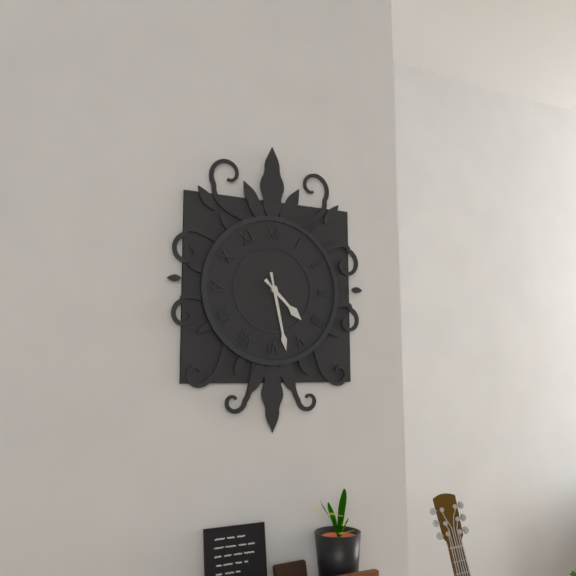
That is 4:28
